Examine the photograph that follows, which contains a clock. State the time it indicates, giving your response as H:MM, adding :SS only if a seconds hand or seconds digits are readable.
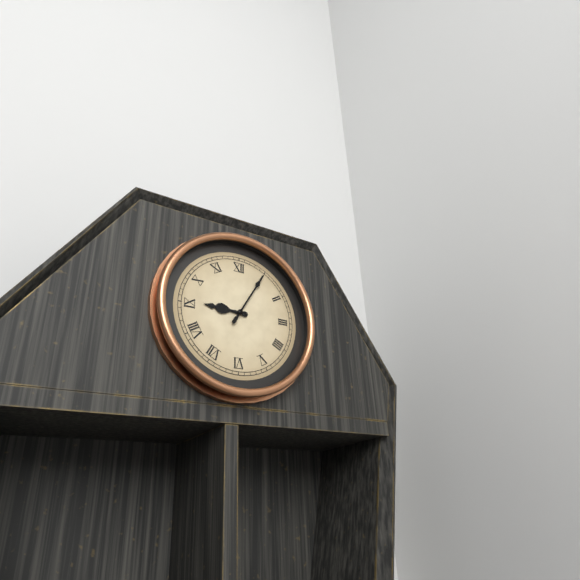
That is 9:05
